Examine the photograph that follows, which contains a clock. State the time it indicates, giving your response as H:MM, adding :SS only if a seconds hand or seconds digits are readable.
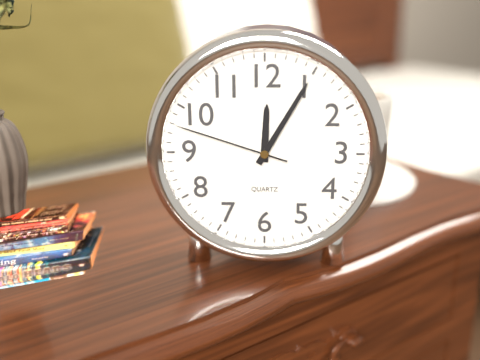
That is 12:05:48
